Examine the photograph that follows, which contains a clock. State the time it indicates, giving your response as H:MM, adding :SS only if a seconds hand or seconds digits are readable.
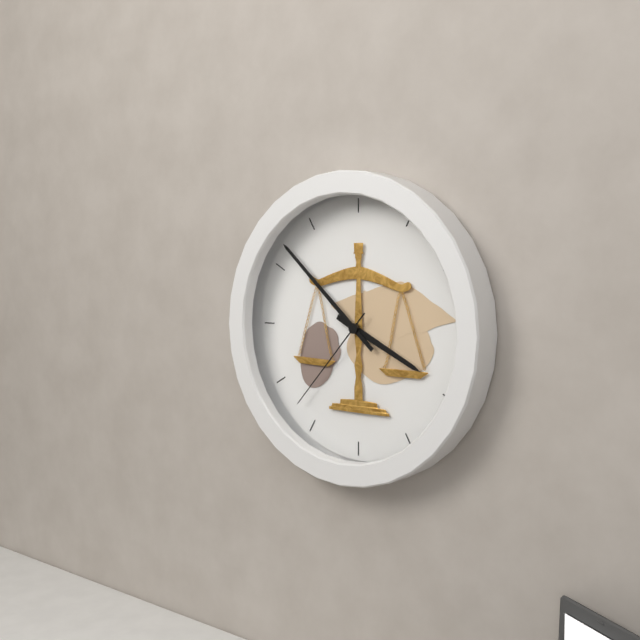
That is 3:52:37
